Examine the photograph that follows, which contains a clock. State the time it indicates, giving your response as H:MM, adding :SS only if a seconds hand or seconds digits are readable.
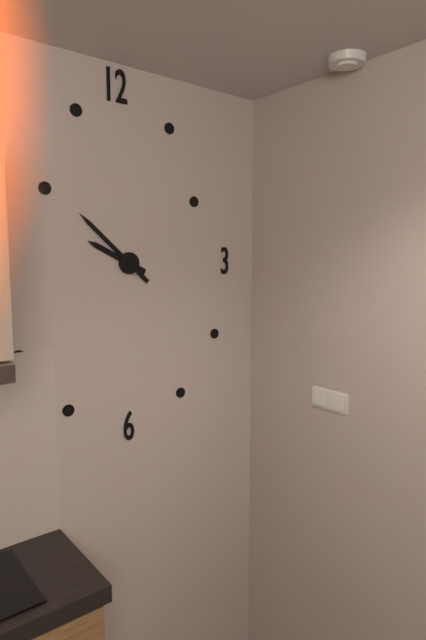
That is 9:52
